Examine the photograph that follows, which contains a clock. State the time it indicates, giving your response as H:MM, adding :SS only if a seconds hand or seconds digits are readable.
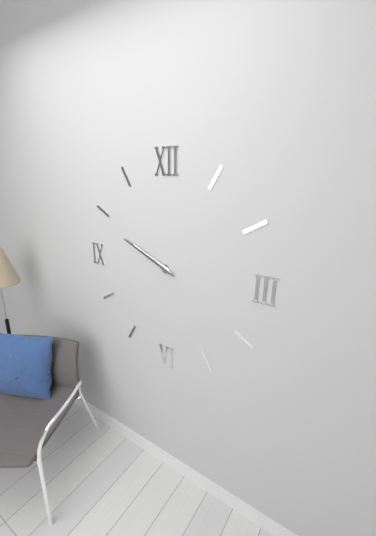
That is 9:49
